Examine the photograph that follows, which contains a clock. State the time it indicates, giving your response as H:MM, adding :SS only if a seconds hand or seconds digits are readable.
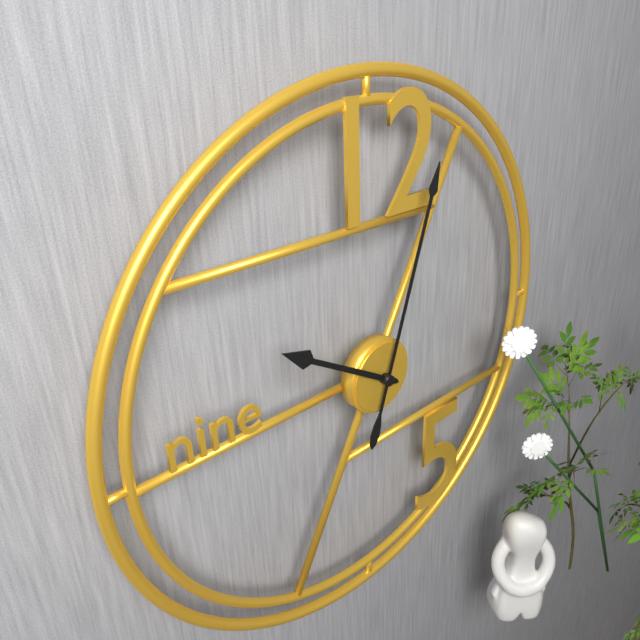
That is 10:03
